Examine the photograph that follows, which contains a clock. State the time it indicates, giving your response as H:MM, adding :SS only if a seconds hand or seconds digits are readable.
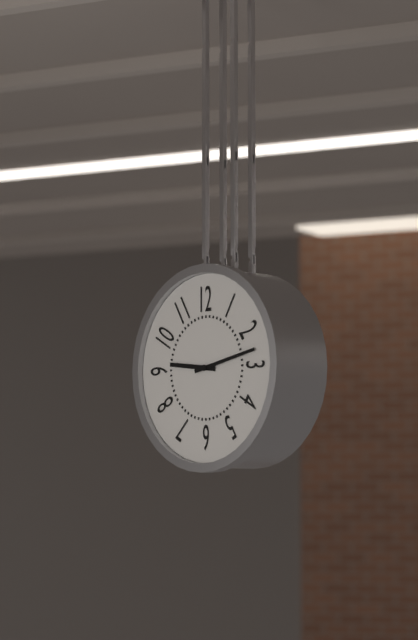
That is 9:13
